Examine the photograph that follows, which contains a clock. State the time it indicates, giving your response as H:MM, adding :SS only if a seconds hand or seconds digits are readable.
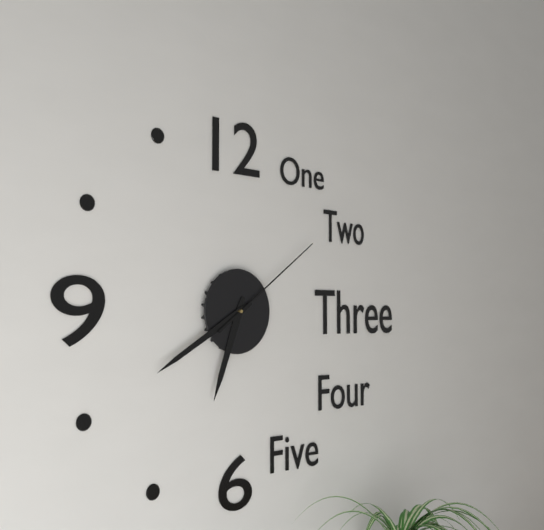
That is 6:40:09
